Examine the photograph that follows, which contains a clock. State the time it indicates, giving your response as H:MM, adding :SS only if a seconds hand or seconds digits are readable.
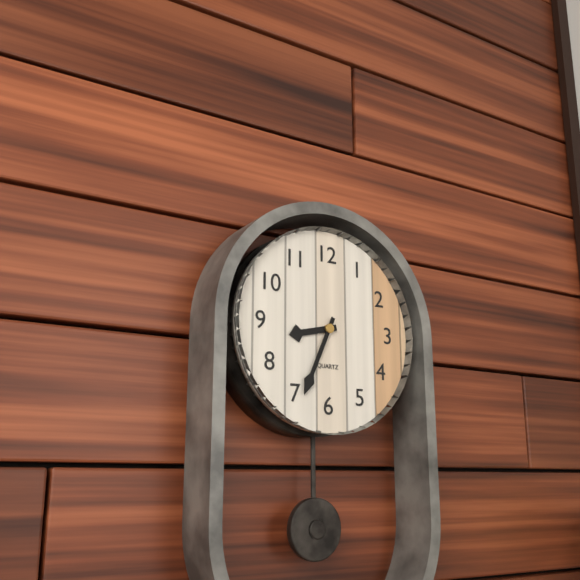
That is 8:34
